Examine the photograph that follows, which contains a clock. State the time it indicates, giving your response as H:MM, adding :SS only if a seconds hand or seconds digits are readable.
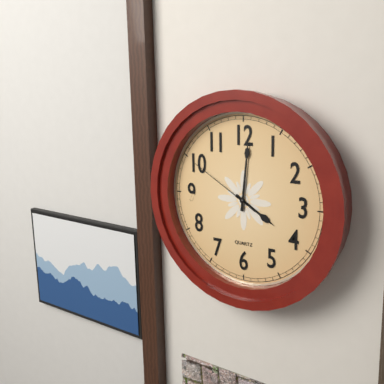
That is 4:01:50
